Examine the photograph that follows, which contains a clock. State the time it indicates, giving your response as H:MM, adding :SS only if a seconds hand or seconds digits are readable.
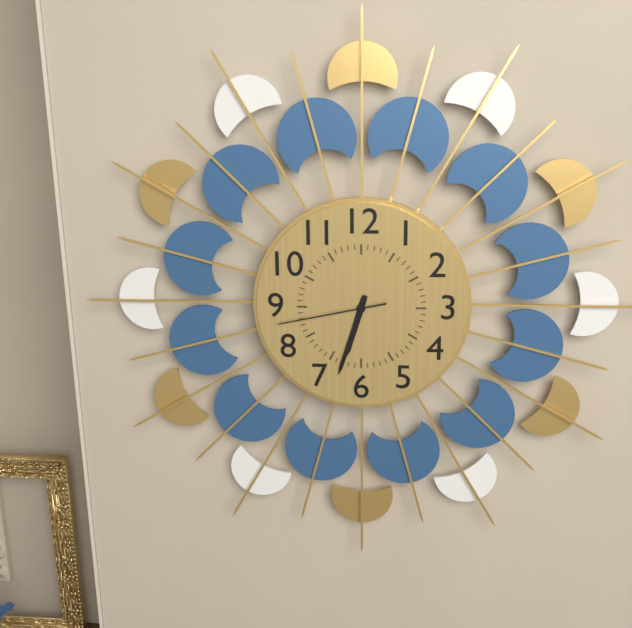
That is 6:33:43
